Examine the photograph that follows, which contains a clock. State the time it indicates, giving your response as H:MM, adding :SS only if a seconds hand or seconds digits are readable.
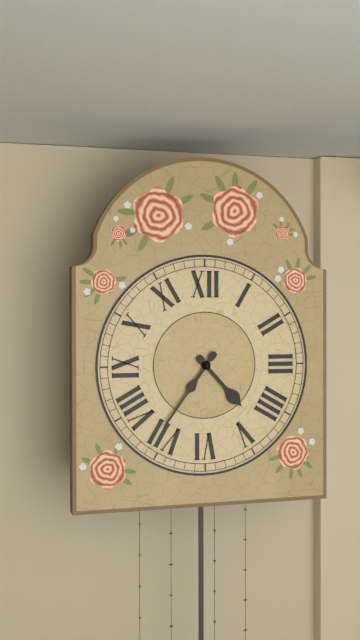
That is 4:36
